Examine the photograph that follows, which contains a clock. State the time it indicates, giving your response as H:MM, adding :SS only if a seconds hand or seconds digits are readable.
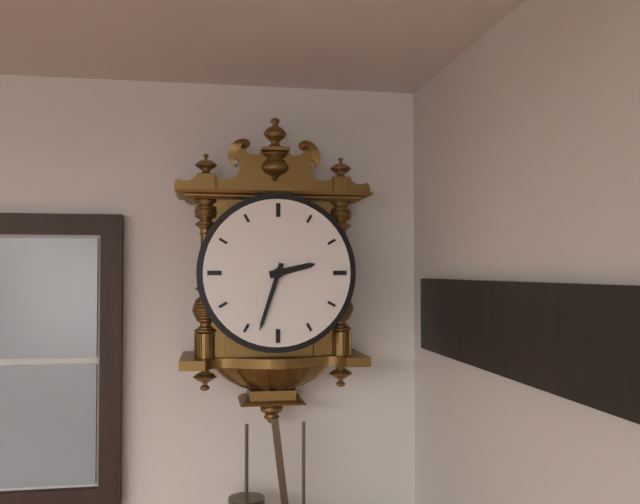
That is 2:33
